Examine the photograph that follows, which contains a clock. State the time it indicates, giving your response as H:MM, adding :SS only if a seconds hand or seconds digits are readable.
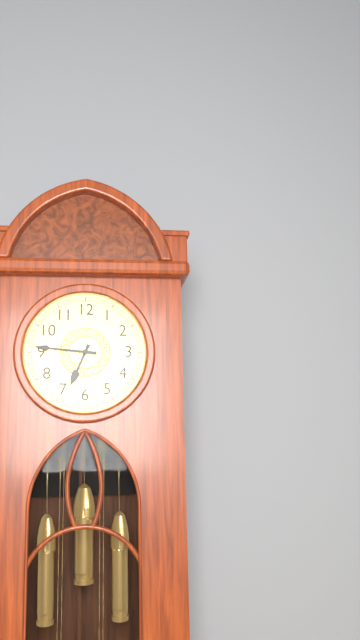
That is 6:46
